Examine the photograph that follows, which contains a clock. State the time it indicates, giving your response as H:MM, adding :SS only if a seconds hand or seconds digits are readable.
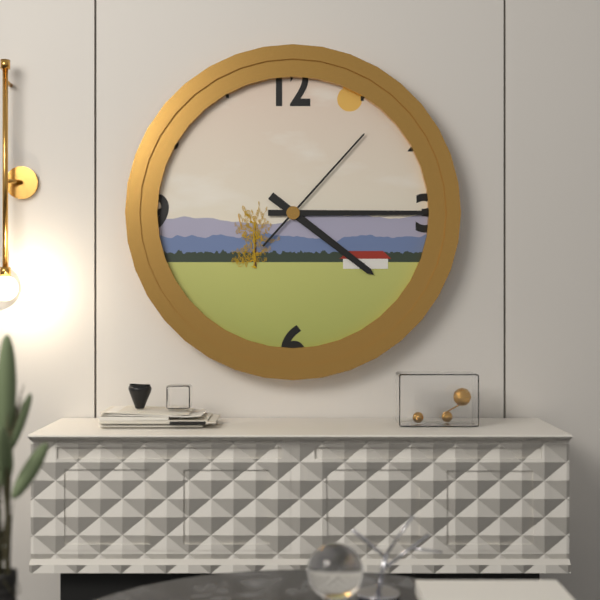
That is 4:15:07
